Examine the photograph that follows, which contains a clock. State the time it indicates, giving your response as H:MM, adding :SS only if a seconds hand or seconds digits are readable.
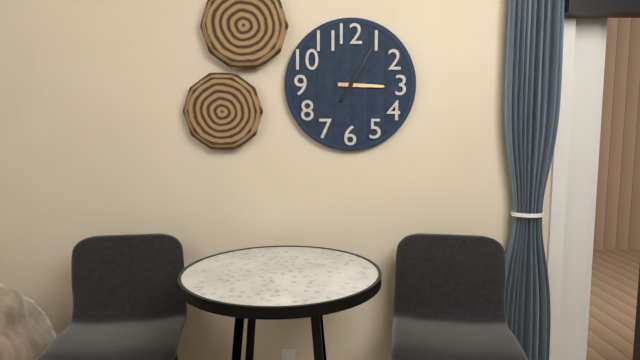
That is 3:05
